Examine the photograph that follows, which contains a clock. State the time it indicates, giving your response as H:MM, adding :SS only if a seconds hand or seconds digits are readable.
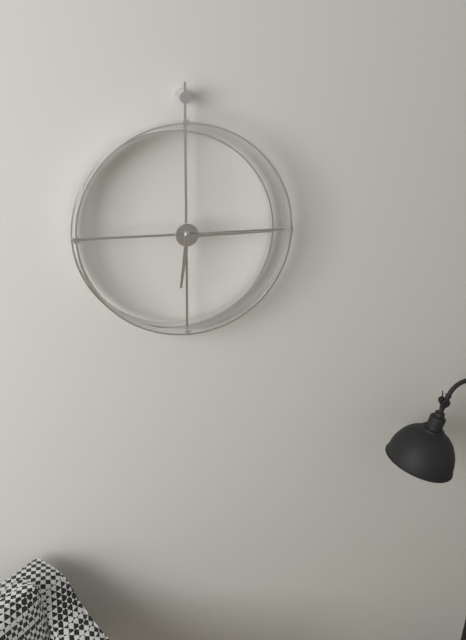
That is 6:15
